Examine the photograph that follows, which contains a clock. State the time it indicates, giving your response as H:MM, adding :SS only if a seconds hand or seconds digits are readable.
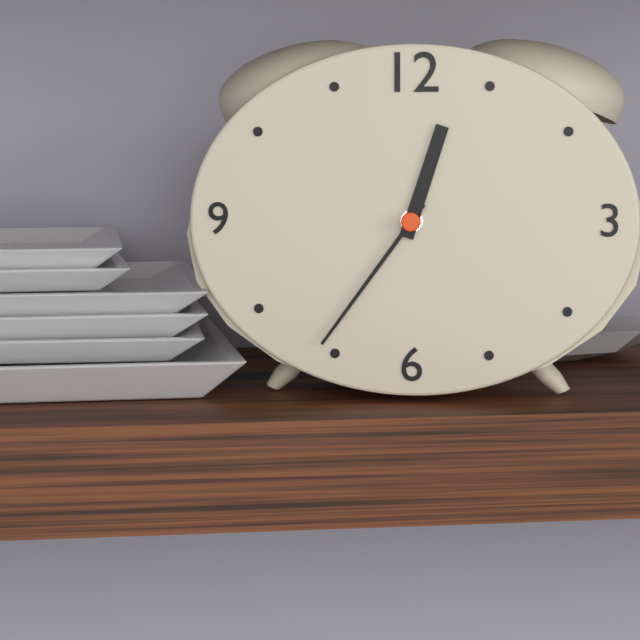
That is 12:36
